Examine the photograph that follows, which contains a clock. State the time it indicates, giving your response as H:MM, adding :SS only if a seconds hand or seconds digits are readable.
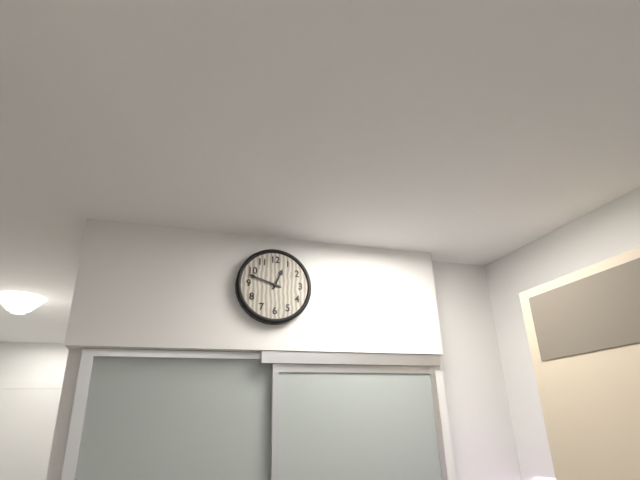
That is 12:48
